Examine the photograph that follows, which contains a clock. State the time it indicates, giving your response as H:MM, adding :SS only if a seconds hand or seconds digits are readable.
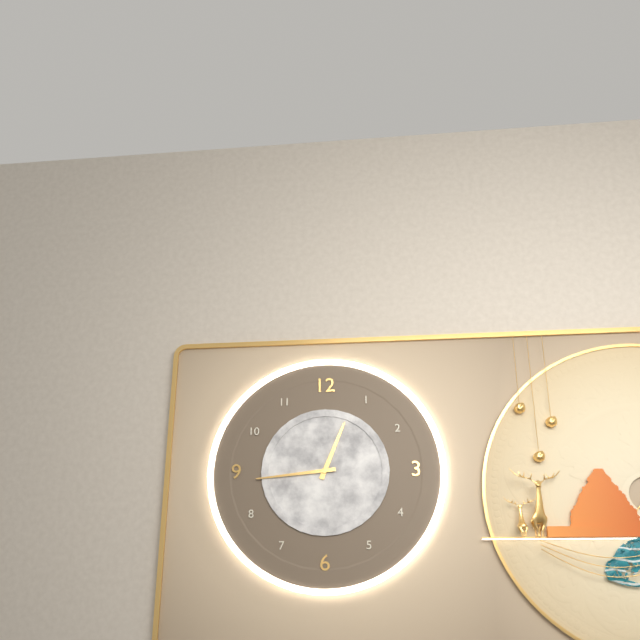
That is 12:44
